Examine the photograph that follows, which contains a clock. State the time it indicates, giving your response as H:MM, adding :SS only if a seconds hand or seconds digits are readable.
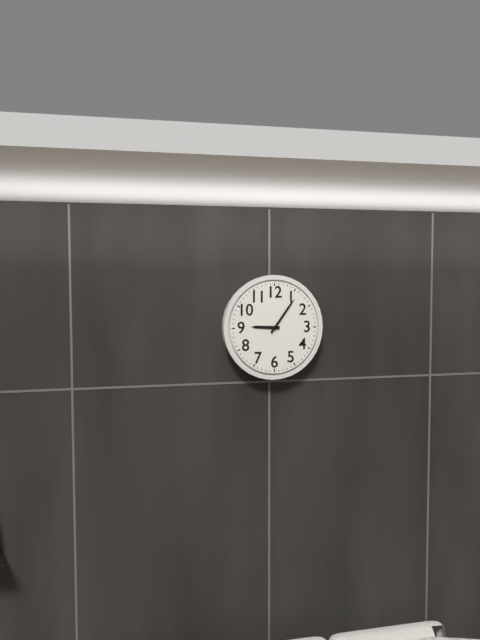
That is 9:06
